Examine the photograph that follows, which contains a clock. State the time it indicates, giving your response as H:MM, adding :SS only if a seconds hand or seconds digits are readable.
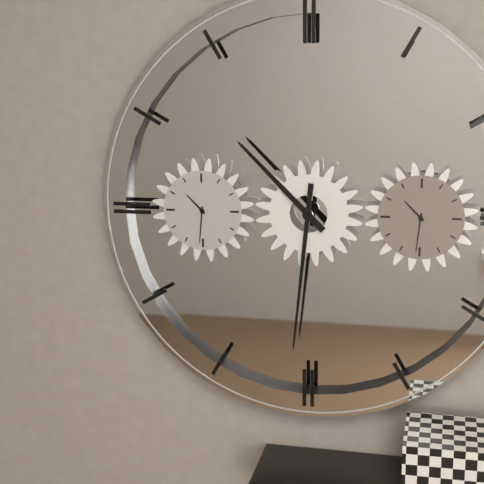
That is 10:31
